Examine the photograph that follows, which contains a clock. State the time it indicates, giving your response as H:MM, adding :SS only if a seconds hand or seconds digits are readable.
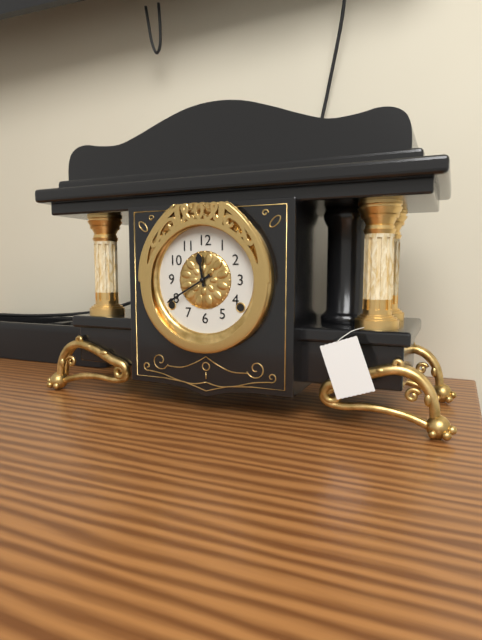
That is 11:40
